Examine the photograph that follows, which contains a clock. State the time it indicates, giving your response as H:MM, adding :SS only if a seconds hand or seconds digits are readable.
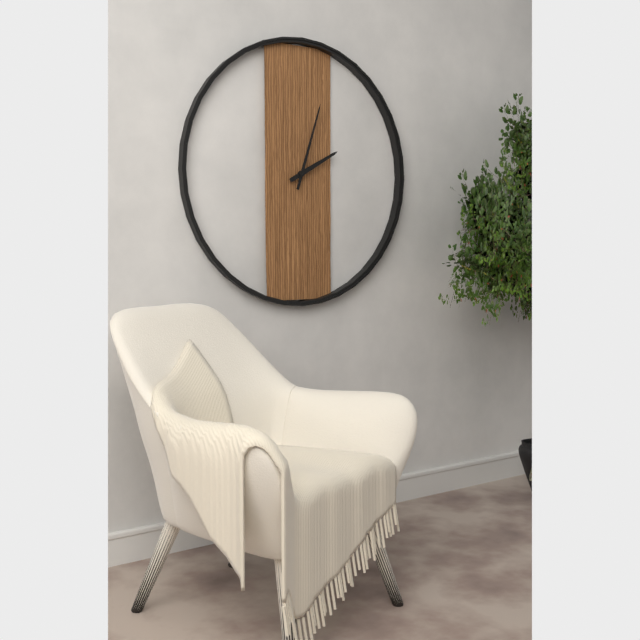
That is 2:03
